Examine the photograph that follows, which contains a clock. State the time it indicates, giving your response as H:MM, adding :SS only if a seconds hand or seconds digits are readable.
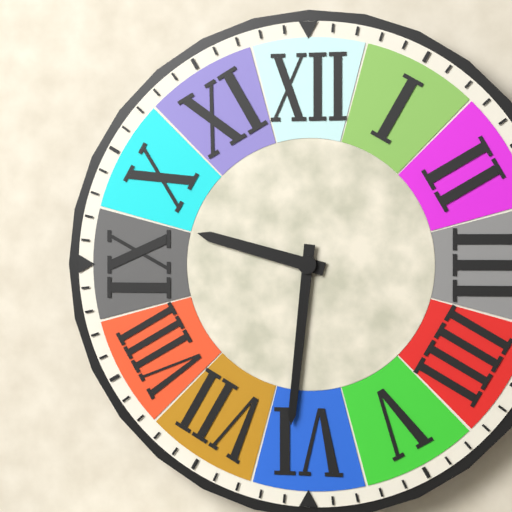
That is 9:31
